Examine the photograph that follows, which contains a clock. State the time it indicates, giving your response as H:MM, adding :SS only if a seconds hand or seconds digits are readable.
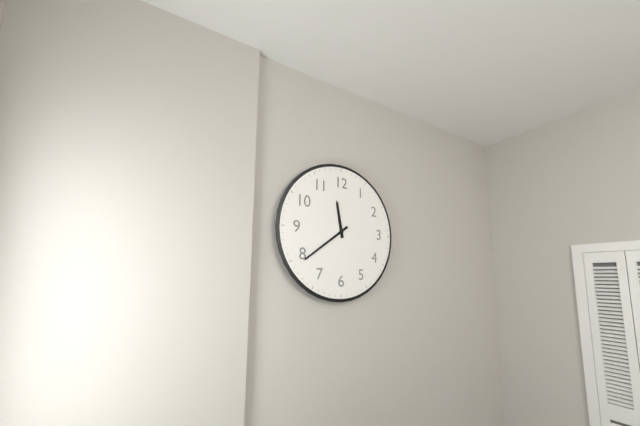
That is 11:39
